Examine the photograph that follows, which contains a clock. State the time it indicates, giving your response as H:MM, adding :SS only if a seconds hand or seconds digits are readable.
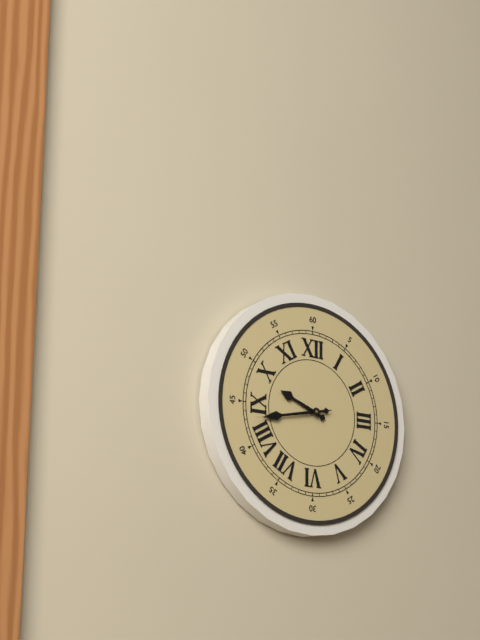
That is 9:43:43
